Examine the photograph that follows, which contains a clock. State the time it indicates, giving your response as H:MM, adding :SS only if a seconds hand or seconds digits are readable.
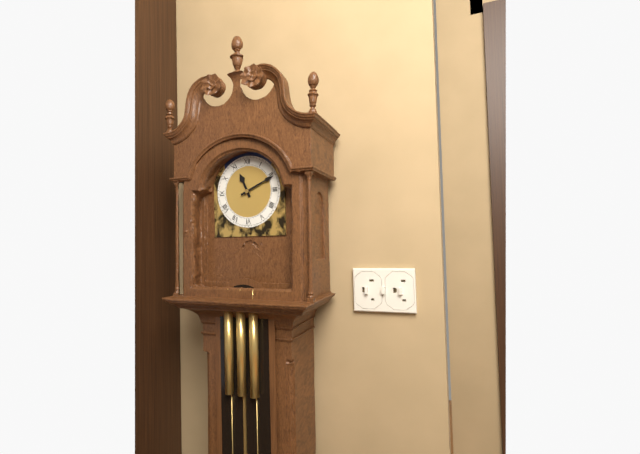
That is 11:11
